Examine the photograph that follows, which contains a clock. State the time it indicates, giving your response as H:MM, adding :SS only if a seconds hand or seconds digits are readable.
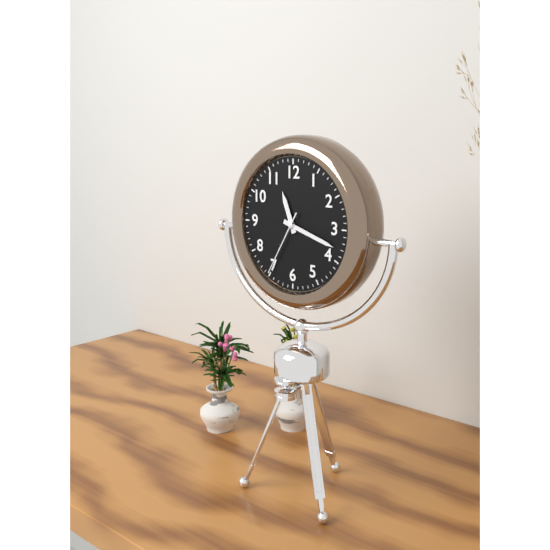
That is 11:18:35
